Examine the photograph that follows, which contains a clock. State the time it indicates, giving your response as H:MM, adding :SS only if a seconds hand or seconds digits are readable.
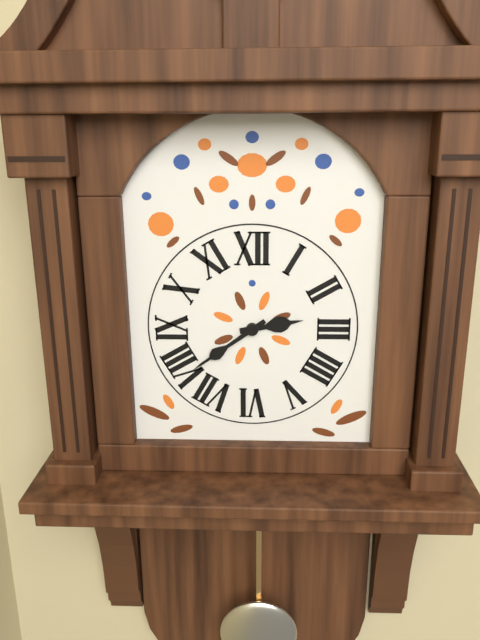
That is 2:39
